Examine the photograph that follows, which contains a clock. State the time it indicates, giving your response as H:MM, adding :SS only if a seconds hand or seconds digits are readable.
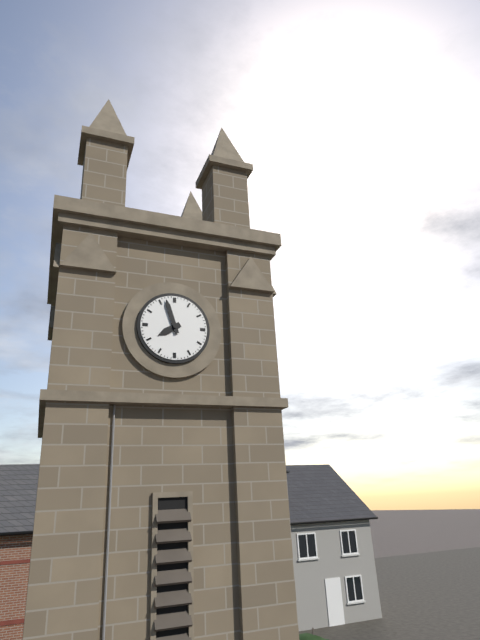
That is 7:57
